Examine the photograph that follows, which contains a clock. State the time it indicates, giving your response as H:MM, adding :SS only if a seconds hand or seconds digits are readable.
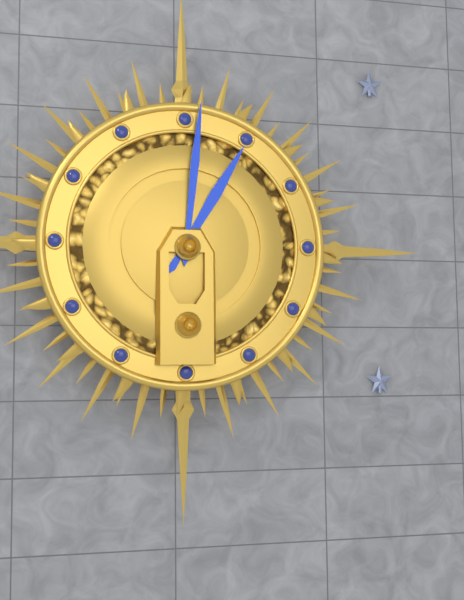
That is 1:01
